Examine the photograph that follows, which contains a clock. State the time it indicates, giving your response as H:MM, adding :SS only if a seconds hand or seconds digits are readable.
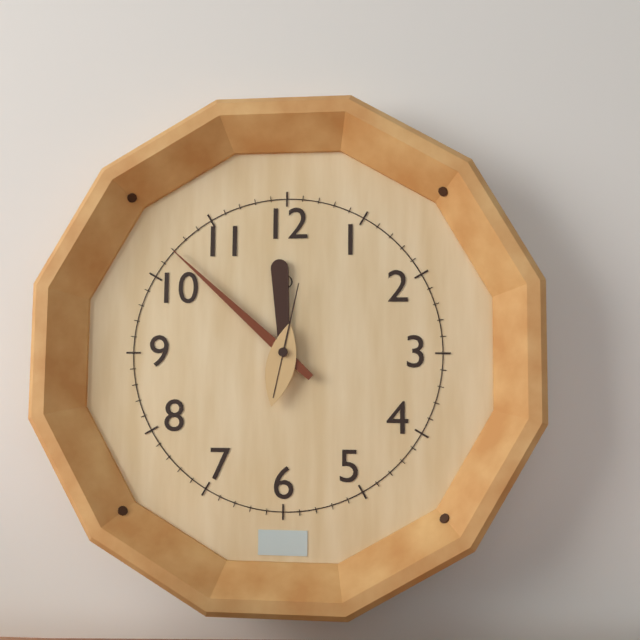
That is 11:52:02
